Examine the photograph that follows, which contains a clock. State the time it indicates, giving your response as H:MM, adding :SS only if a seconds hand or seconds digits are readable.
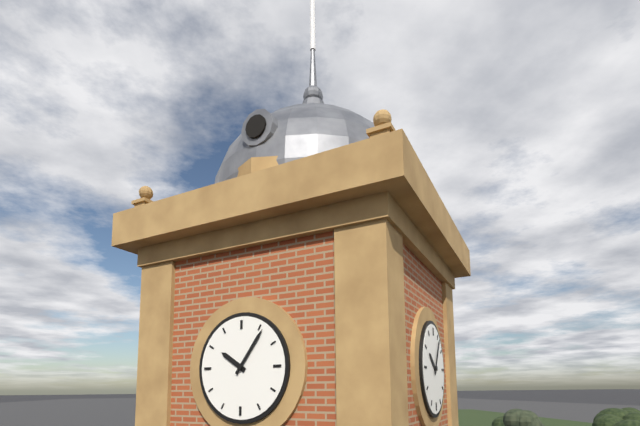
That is 10:06
